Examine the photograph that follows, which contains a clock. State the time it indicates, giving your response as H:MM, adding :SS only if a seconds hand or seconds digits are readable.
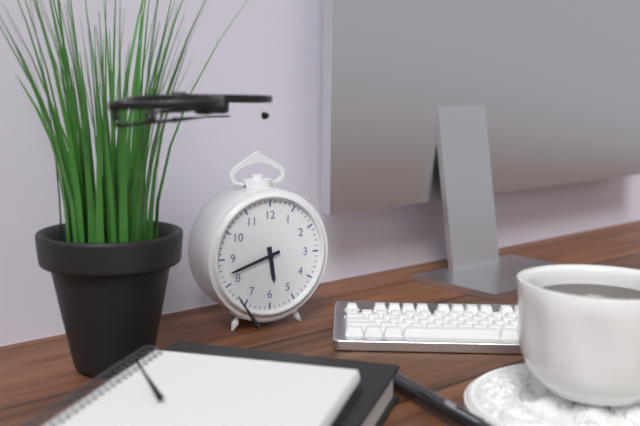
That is 5:42
